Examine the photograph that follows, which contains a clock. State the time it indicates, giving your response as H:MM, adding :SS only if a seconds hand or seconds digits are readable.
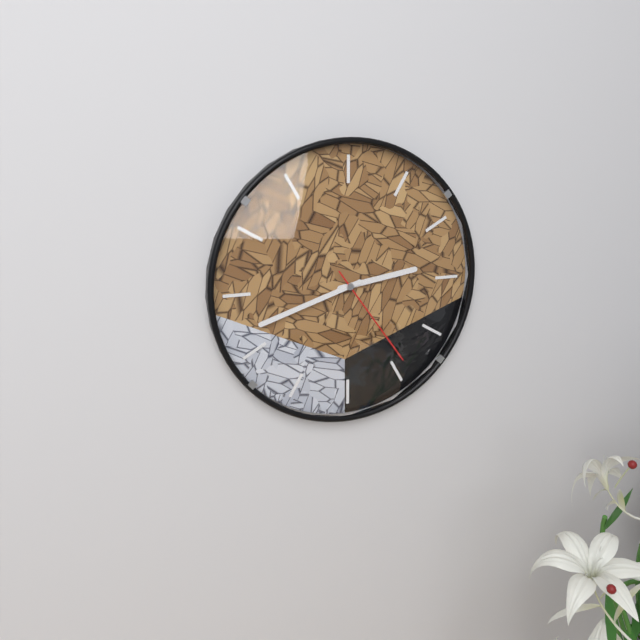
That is 2:42:24
